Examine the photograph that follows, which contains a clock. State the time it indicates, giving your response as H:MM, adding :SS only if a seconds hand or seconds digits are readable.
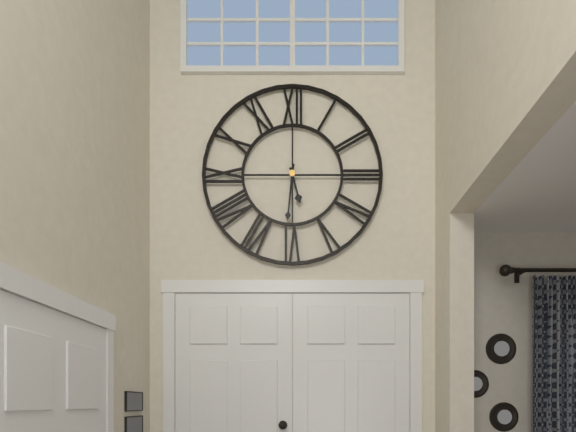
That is 5:31
